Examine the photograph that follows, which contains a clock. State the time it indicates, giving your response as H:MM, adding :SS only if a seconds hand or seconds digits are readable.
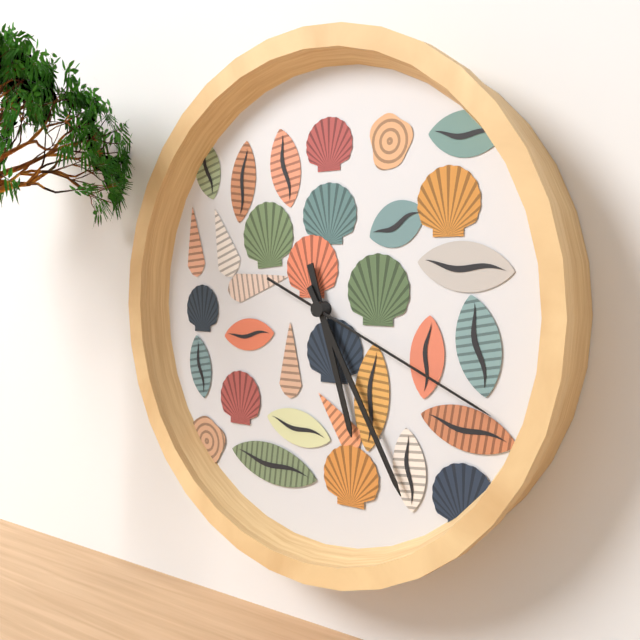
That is 5:25:19
